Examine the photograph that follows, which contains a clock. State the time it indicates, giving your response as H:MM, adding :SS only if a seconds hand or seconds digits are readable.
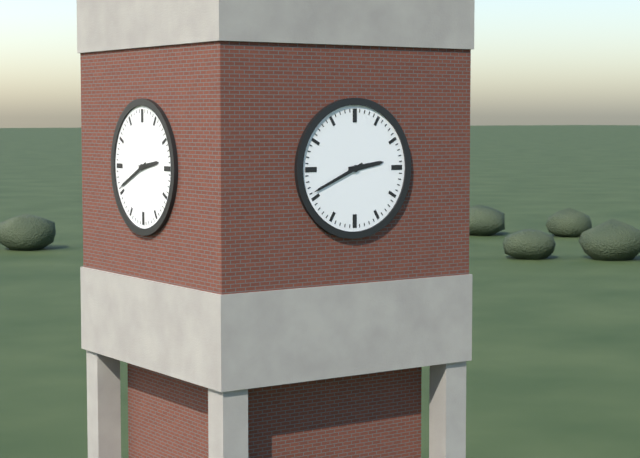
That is 2:41
